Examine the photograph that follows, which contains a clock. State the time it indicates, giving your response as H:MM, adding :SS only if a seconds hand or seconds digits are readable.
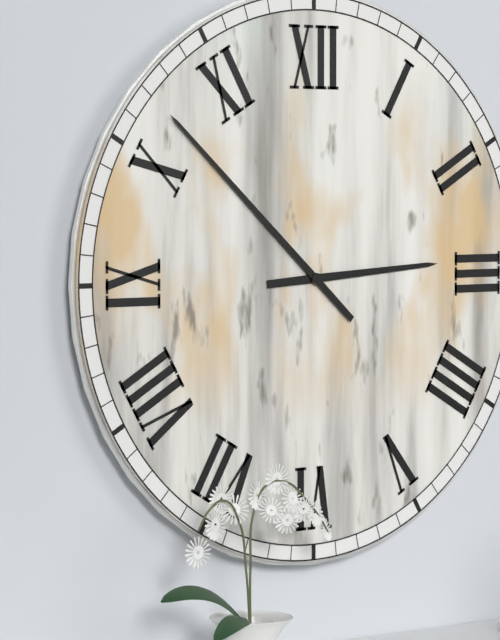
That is 2:52
